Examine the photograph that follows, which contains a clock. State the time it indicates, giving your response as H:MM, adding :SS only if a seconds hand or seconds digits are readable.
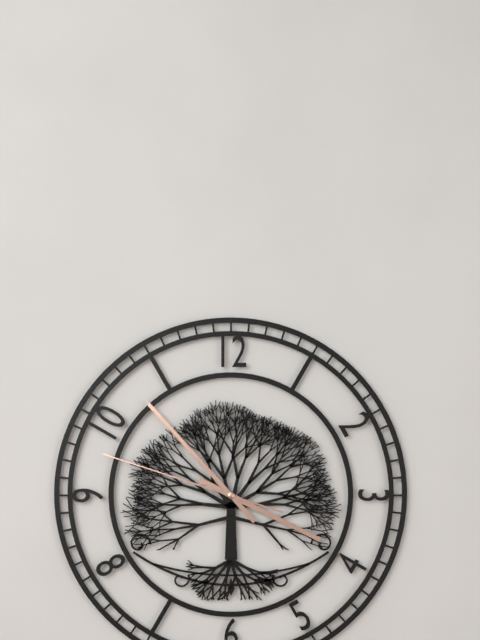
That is 3:53:48
